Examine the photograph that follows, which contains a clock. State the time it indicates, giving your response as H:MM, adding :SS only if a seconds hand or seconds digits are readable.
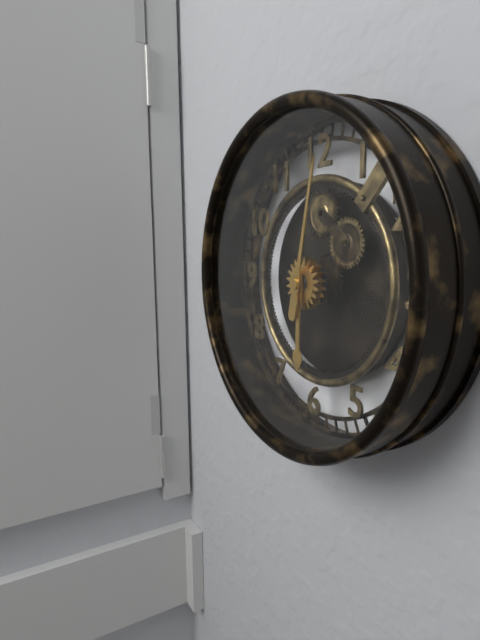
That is 6:02
